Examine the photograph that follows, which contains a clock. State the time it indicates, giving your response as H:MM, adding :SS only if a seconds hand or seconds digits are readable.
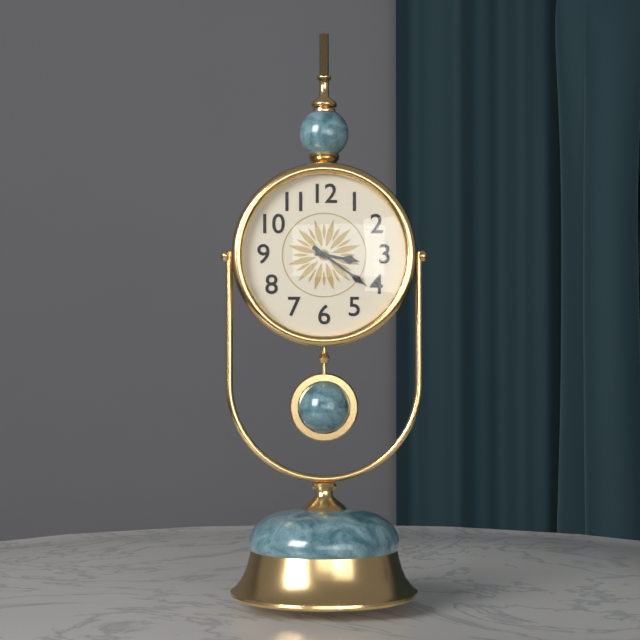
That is 3:21
